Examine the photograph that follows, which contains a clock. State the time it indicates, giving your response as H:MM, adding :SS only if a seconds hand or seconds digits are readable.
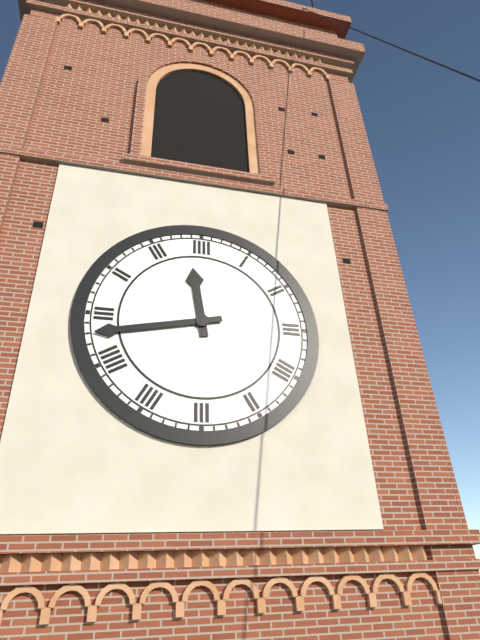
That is 11:43
